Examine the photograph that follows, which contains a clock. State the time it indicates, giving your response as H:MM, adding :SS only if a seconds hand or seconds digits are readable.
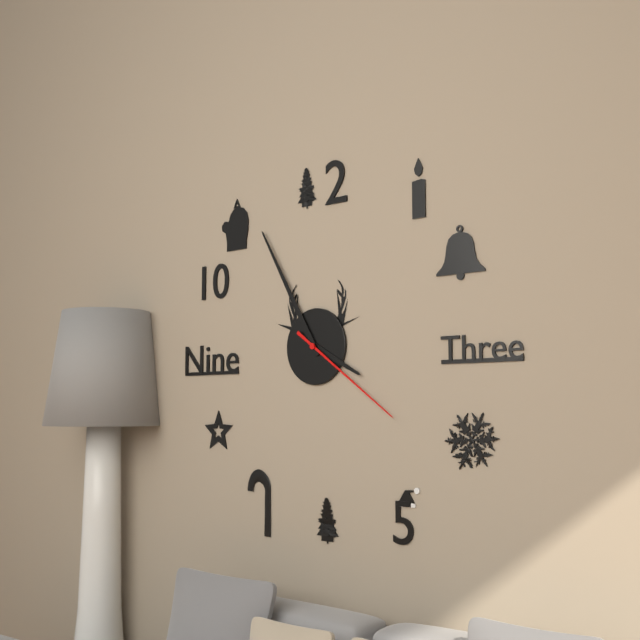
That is 3:55:21
